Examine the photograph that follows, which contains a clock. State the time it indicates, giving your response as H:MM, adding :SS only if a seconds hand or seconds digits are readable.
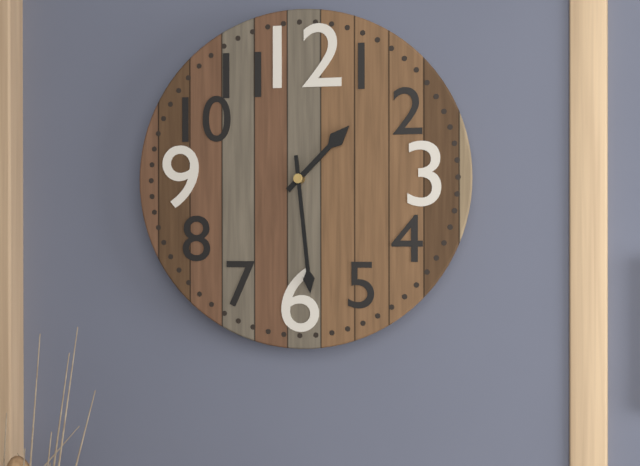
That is 1:29
